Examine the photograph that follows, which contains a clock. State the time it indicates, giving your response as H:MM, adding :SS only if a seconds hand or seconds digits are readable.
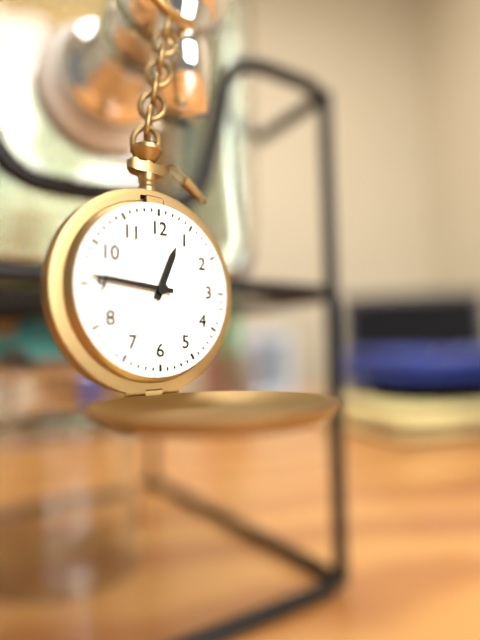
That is 12:46
